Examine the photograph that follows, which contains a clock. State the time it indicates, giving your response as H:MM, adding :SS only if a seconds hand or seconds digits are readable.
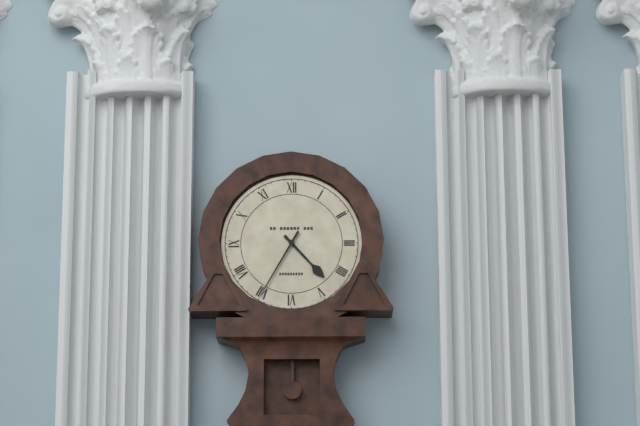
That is 4:35
